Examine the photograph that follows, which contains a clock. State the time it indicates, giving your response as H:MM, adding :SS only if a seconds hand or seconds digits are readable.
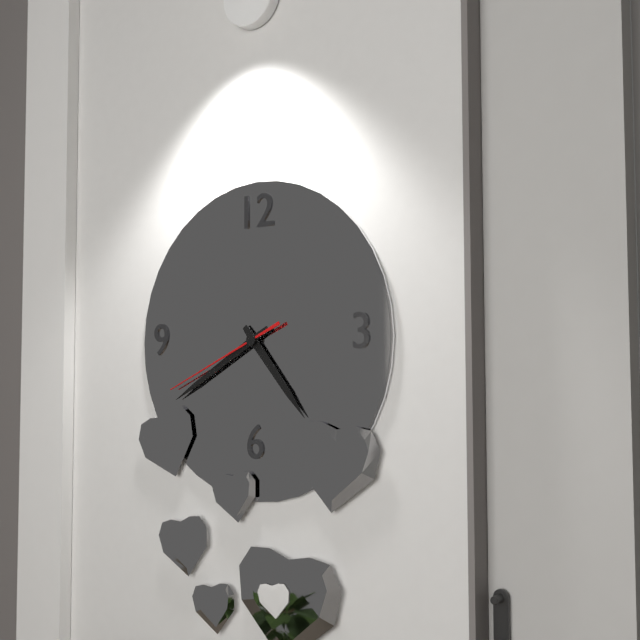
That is 4:40:41
